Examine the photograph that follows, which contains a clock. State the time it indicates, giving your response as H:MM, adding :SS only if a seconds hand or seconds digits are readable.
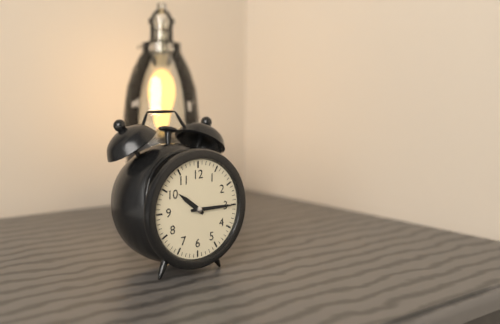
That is 10:15
